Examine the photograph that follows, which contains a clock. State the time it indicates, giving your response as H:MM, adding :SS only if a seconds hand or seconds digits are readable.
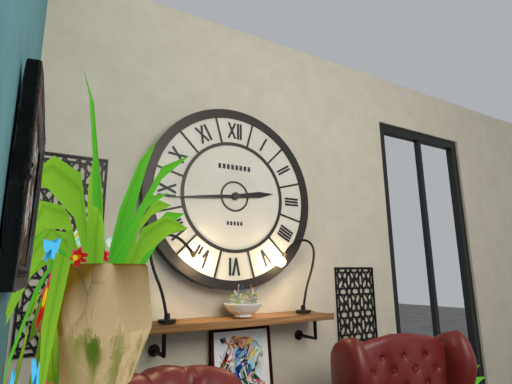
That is 2:44
